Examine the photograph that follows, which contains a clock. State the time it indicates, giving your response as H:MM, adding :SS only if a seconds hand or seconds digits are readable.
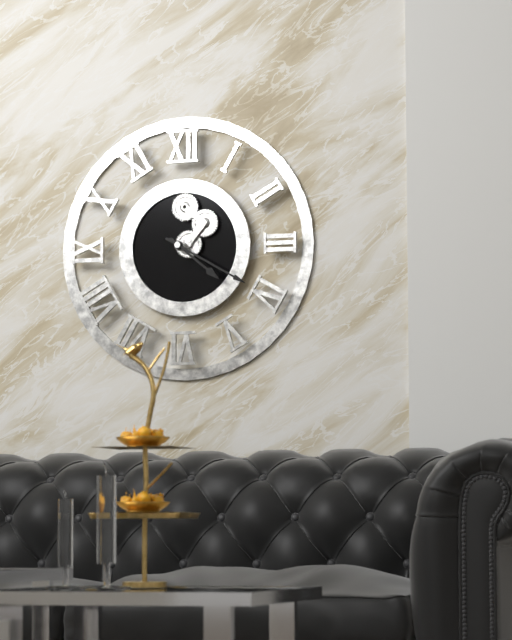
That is 4:20
